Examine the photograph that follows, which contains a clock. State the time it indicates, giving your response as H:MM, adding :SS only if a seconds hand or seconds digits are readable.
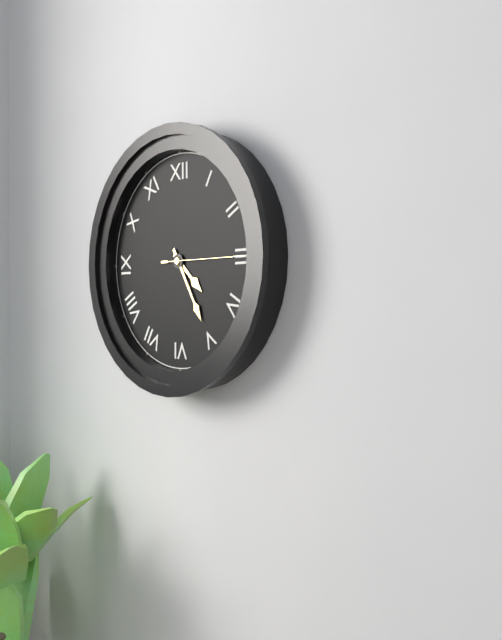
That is 4:25:15
